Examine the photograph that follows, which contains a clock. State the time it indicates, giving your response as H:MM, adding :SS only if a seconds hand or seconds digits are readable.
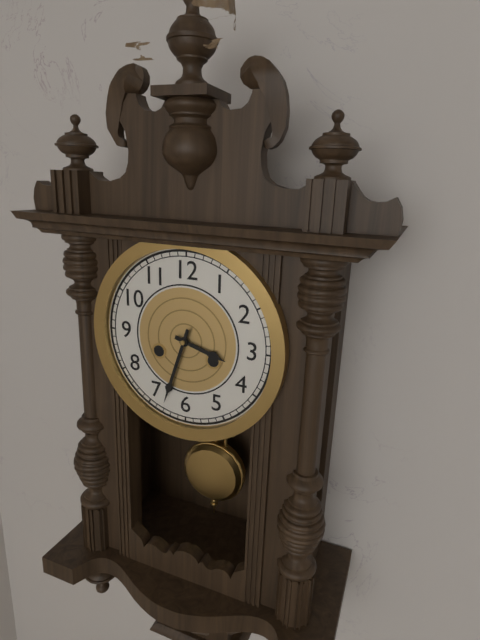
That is 3:33
